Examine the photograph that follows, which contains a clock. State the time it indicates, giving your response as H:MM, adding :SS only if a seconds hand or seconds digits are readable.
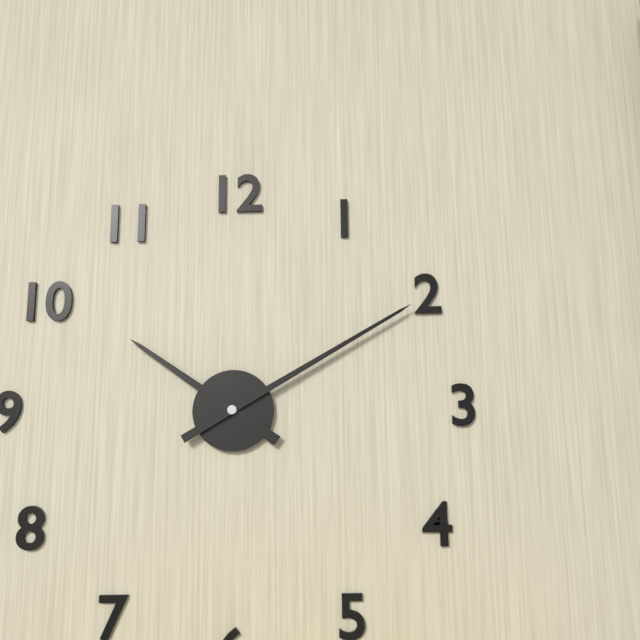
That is 10:10
